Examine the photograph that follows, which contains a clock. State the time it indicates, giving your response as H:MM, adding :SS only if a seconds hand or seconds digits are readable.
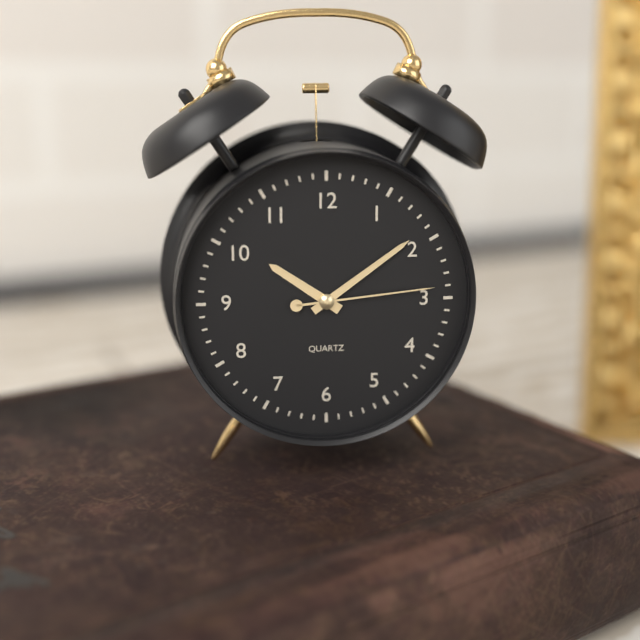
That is 10:09:14
